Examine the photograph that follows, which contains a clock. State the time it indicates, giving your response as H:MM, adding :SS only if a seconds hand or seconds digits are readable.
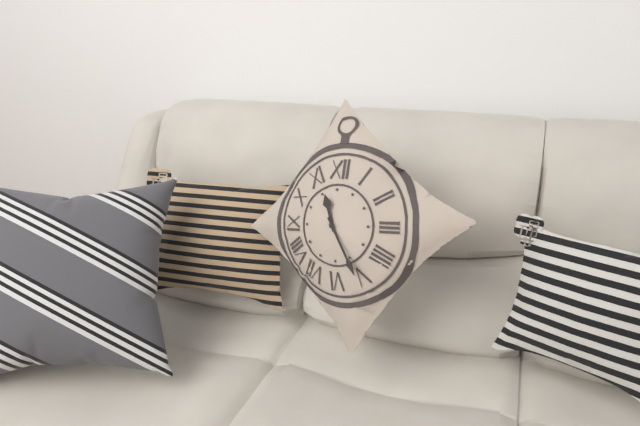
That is 11:25
